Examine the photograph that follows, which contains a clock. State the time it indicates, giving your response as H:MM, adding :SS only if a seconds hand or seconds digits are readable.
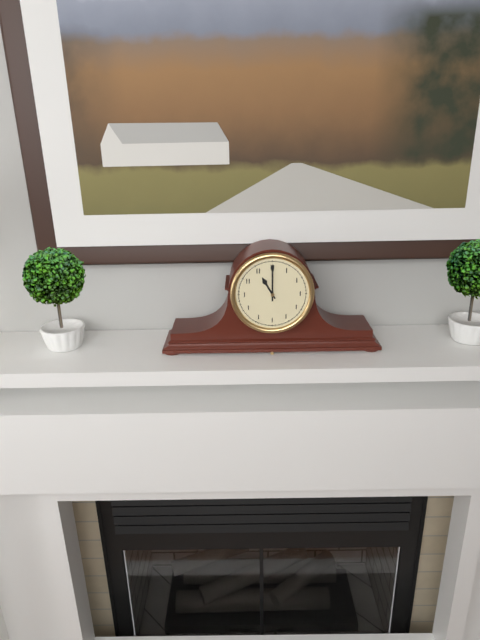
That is 11:00
